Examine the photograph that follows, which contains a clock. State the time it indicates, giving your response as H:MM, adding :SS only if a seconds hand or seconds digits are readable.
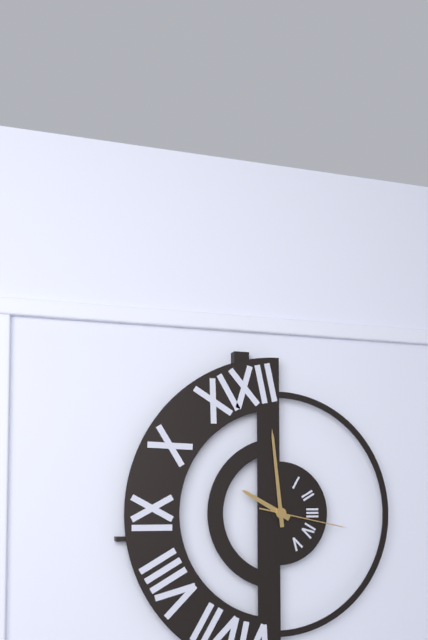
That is 9:59:17
